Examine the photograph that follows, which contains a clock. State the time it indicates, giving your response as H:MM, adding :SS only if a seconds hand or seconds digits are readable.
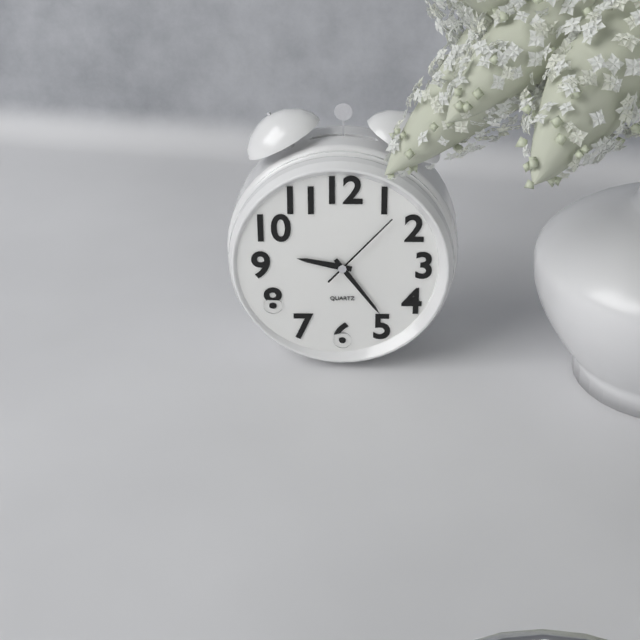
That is 9:24:07
